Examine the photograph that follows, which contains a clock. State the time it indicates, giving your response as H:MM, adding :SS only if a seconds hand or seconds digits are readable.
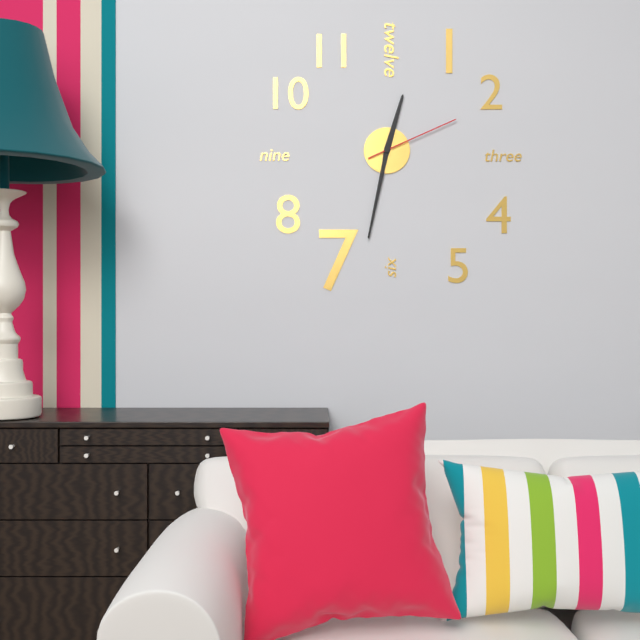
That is 12:32:11
